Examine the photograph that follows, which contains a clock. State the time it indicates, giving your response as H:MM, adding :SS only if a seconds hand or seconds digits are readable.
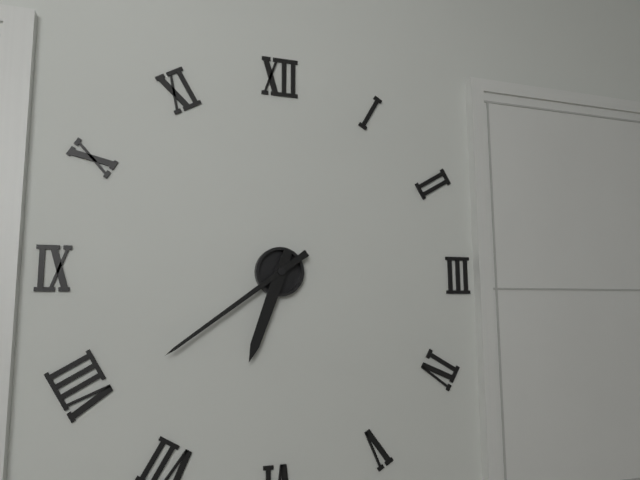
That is 6:39
